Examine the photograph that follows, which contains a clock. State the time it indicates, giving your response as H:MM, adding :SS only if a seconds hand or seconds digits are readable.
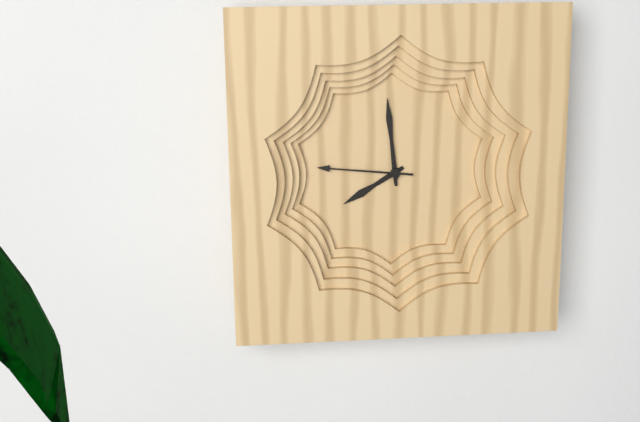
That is 7:59:46
